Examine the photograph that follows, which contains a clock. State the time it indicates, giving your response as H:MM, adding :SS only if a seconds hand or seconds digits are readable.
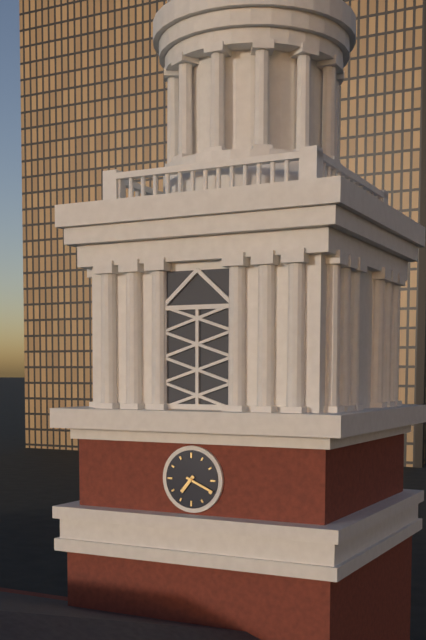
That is 7:19
